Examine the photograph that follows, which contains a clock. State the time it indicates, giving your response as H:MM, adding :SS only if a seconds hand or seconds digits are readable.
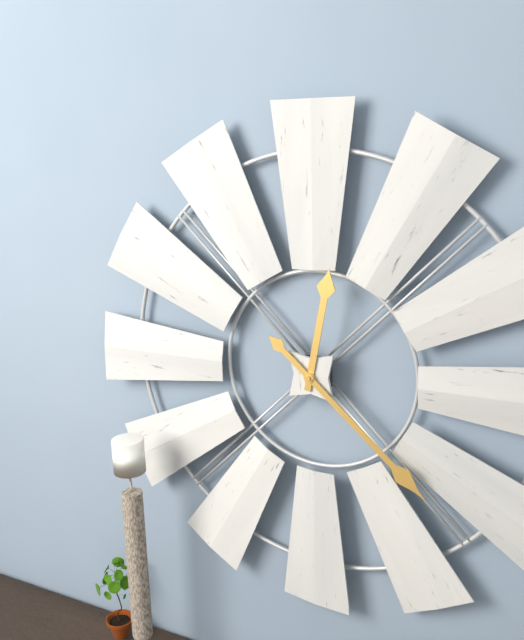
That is 12:22
